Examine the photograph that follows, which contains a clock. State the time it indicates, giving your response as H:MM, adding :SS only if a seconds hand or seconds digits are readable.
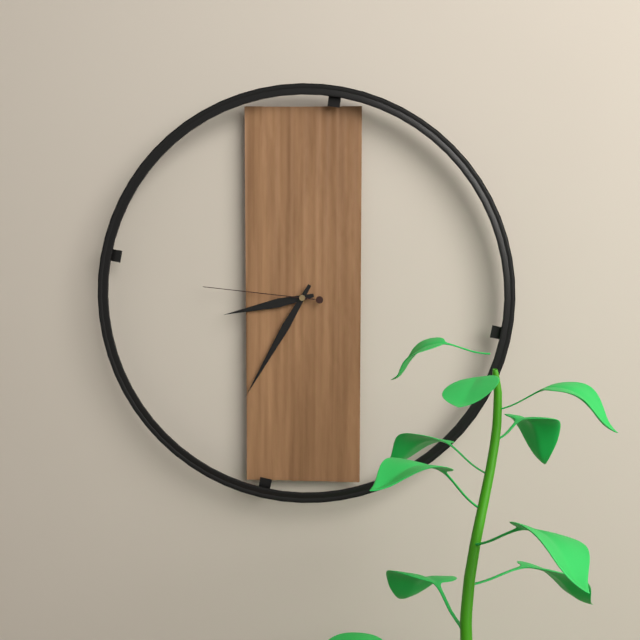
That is 8:35:46
